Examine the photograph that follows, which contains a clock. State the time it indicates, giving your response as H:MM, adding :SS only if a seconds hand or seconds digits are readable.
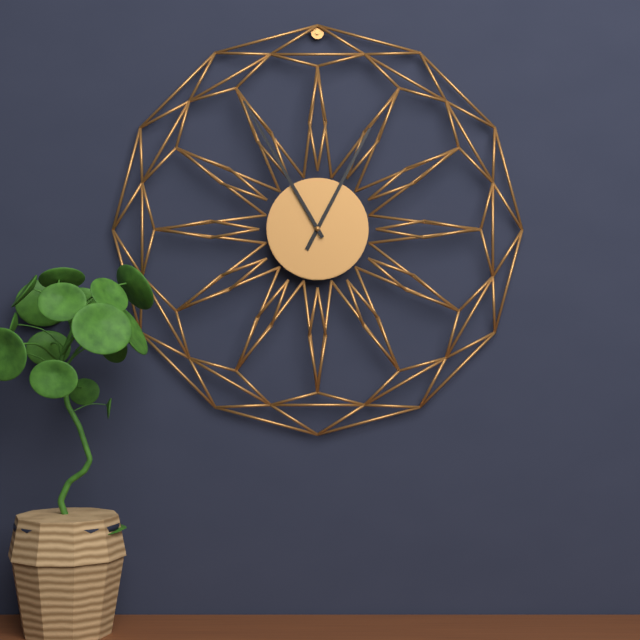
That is 12:55
